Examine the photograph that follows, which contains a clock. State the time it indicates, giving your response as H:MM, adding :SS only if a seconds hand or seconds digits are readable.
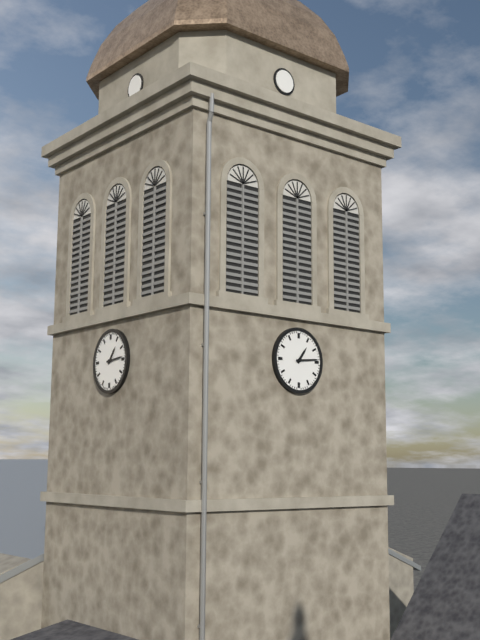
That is 1:14
